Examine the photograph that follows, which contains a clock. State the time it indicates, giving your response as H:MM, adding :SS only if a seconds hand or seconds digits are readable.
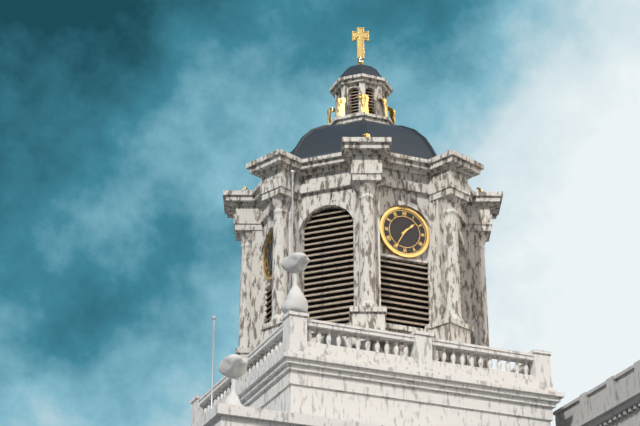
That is 1:35
